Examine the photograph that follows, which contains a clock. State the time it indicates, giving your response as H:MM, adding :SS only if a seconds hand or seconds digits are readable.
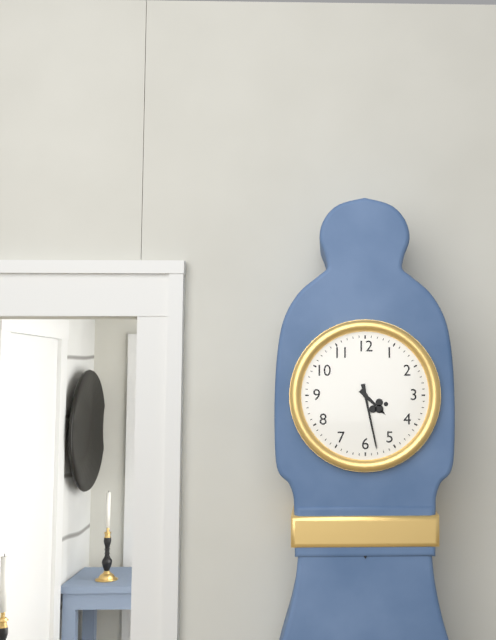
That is 4:28
